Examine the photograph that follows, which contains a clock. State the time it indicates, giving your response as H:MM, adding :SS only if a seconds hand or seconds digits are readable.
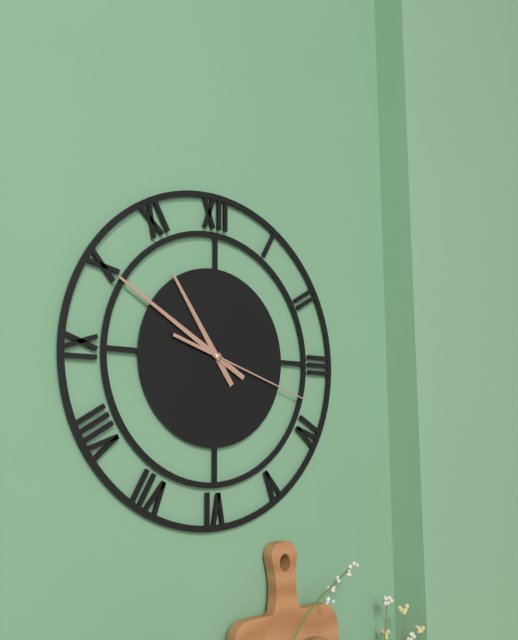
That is 10:50:18
